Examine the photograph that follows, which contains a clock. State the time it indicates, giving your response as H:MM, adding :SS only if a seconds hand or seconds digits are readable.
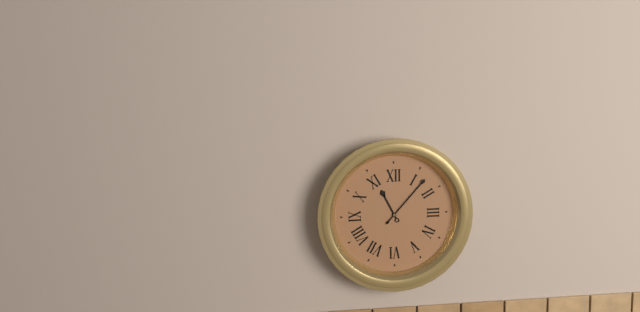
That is 11:07
